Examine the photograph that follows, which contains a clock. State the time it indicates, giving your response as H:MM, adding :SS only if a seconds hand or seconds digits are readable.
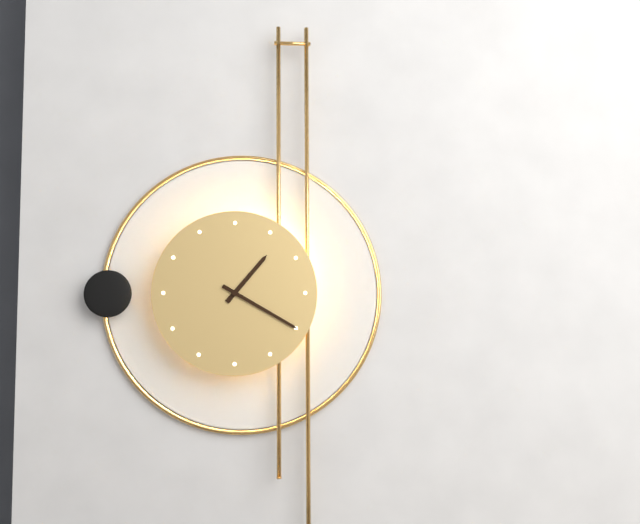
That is 1:20
